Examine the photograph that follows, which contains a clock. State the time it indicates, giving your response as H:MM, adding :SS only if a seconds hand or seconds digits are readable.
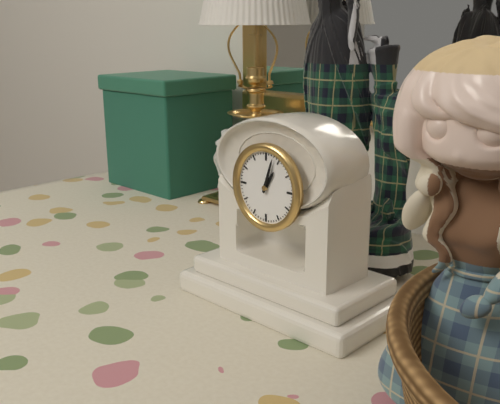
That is 1:03
